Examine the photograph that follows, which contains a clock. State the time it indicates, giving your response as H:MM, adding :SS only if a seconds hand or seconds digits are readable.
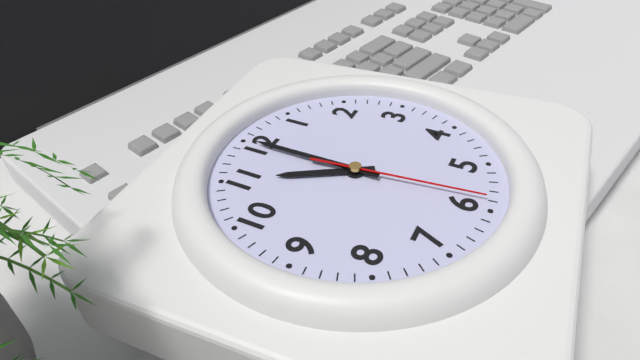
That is 11:00:29
